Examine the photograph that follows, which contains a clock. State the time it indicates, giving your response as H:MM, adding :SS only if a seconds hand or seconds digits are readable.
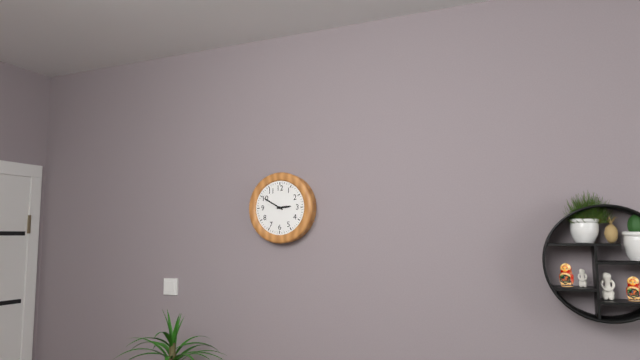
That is 2:50
